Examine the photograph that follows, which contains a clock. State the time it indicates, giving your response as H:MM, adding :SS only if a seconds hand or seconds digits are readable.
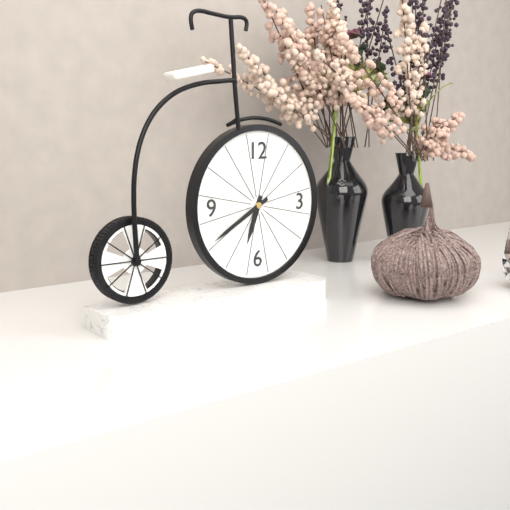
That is 6:40
